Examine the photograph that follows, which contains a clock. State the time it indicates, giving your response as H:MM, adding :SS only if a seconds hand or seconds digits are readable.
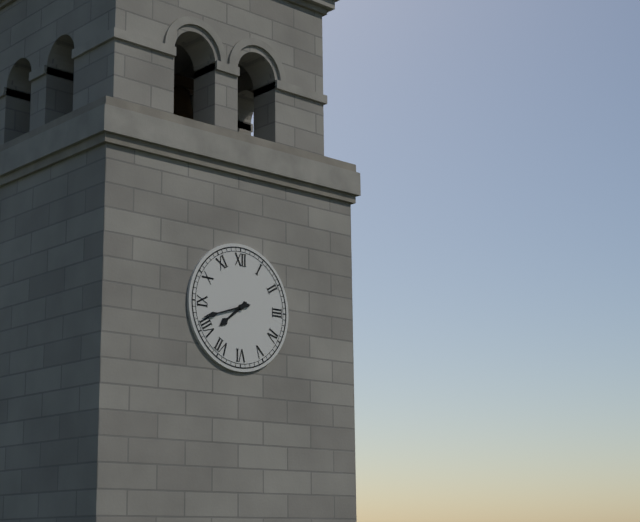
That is 7:42
